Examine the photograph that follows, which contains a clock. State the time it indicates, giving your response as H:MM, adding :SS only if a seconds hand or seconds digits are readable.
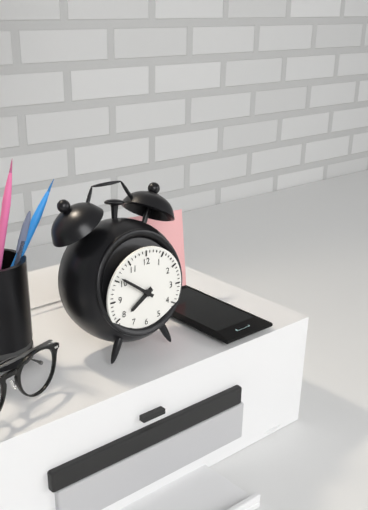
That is 7:51
